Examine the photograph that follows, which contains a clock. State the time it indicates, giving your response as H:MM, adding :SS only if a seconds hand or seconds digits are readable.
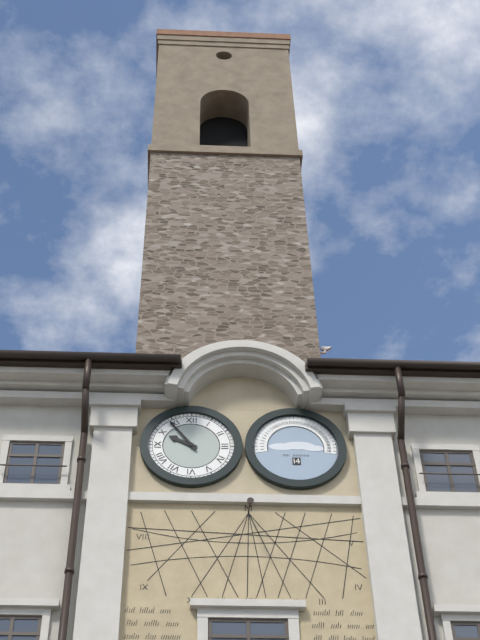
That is 9:54
